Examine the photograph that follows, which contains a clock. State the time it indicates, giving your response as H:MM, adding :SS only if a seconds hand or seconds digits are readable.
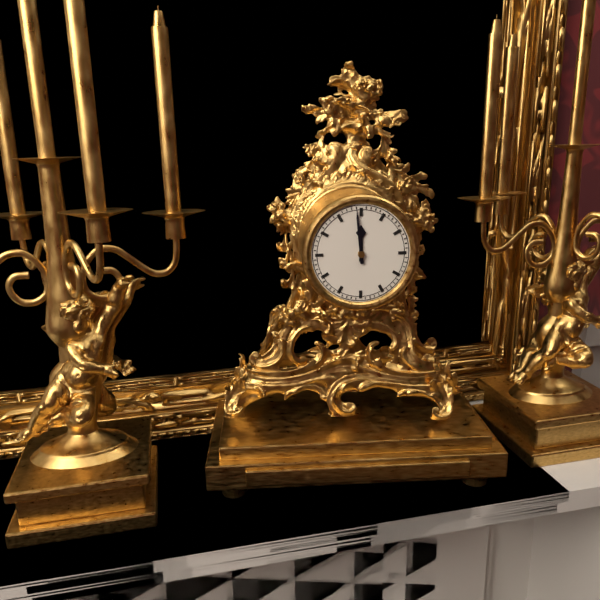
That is 11:59
